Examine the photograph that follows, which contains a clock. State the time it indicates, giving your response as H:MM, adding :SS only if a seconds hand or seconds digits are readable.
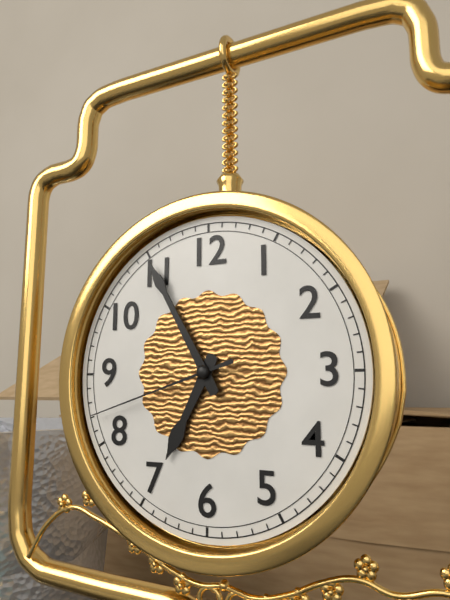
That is 6:55:42
